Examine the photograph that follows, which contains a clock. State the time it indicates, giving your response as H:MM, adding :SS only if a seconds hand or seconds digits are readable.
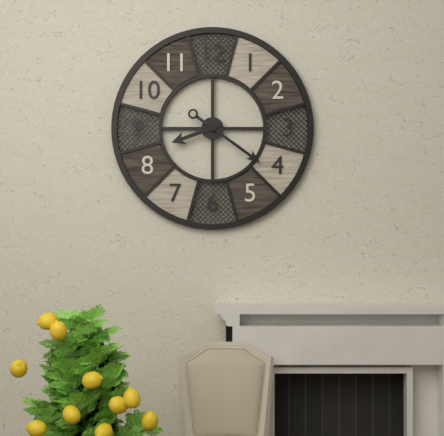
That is 8:21
